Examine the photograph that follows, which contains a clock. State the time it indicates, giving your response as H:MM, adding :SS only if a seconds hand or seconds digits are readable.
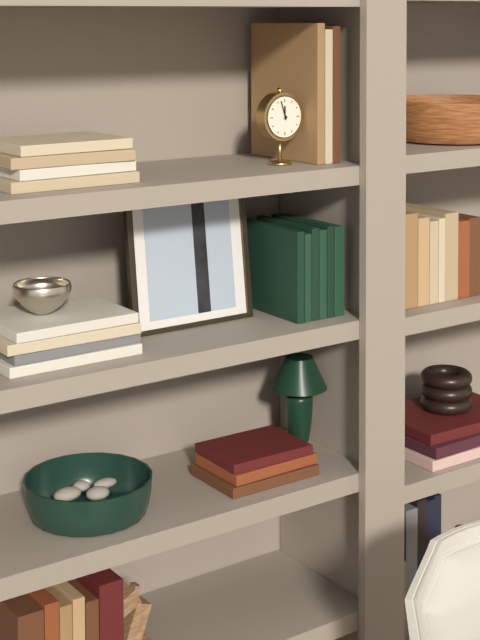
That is 11:57
